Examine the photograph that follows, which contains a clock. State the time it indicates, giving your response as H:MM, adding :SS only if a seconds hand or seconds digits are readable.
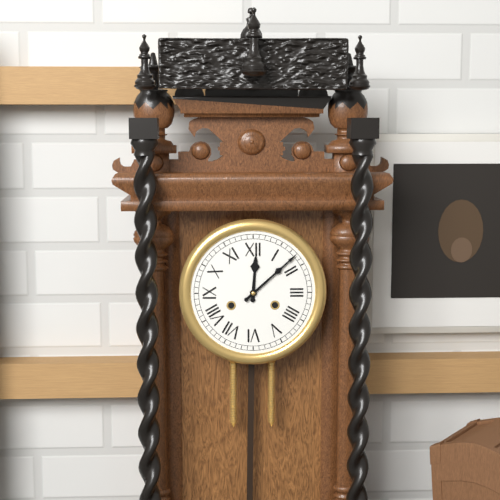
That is 12:08
